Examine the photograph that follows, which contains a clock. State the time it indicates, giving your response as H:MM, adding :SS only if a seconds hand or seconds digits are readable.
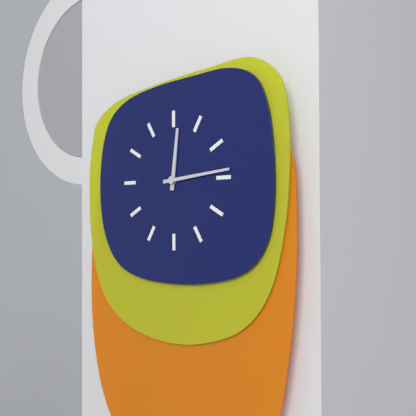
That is 12:14
